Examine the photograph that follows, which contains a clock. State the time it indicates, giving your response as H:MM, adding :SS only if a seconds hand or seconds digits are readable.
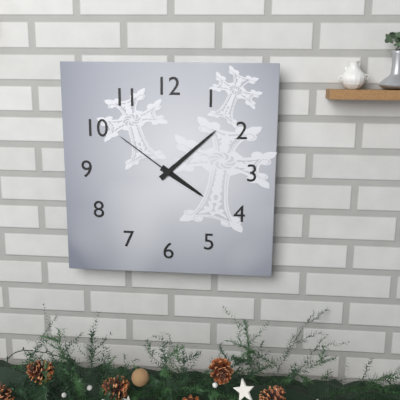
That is 4:08:51
